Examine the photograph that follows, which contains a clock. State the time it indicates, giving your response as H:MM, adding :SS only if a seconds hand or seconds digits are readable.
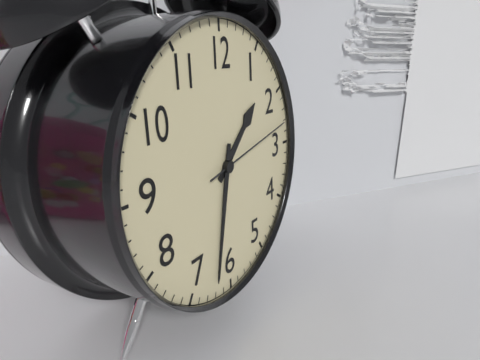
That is 1:32:13
